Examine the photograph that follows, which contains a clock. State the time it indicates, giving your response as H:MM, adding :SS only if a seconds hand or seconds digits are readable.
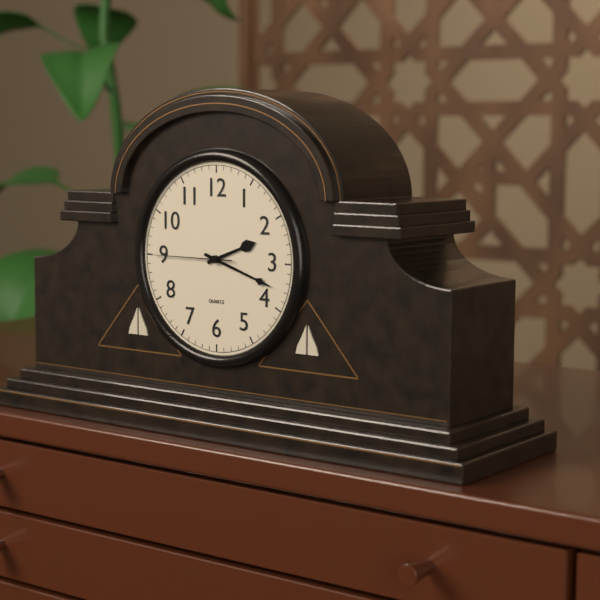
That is 2:18:45
